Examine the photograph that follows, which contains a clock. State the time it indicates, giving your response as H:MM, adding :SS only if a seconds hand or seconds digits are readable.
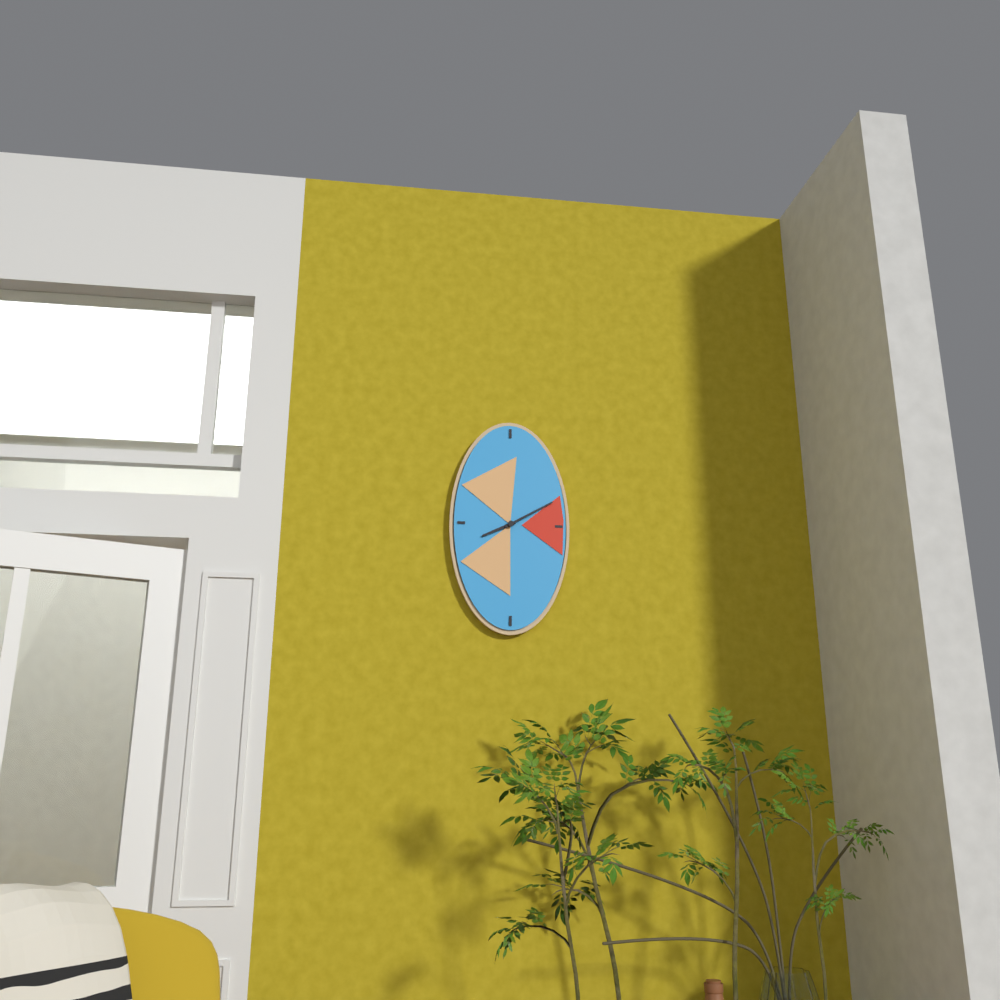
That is 8:10
